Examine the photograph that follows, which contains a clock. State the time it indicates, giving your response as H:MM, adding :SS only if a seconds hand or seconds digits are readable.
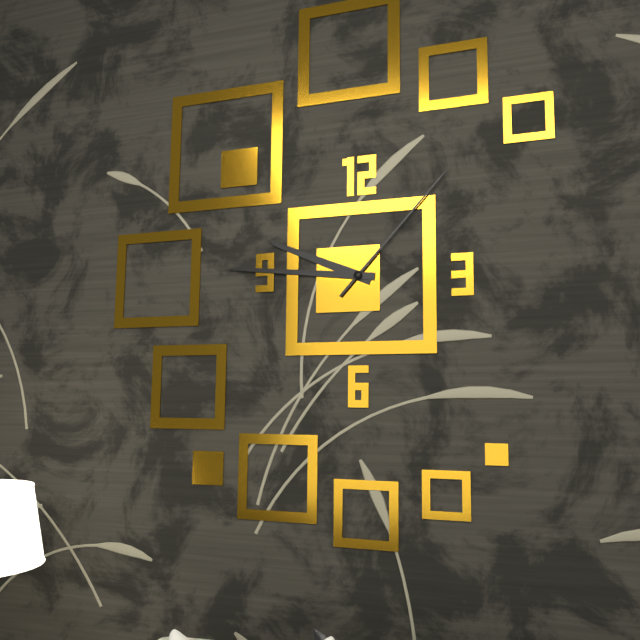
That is 9:46:07
